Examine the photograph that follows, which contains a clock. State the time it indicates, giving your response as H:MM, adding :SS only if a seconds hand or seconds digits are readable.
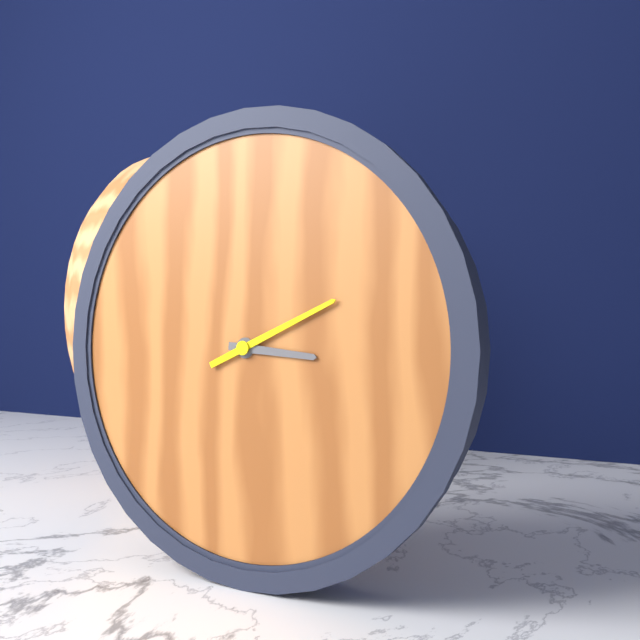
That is 3:11
